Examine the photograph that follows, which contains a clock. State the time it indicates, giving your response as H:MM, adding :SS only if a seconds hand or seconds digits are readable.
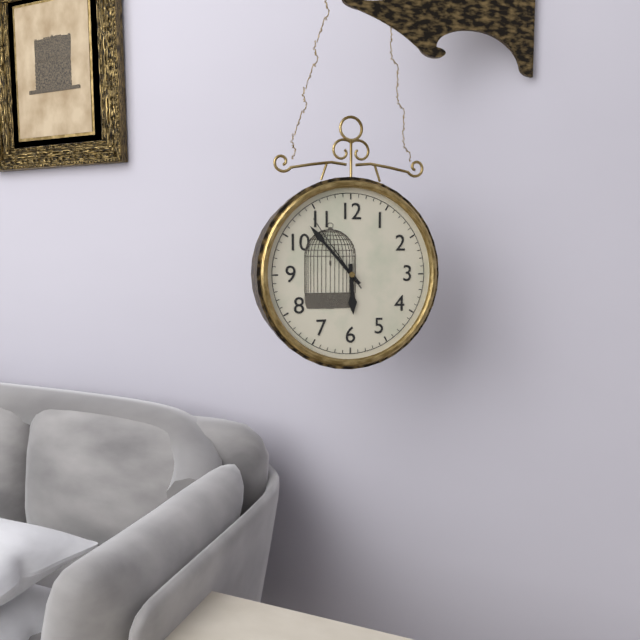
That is 5:53:54
